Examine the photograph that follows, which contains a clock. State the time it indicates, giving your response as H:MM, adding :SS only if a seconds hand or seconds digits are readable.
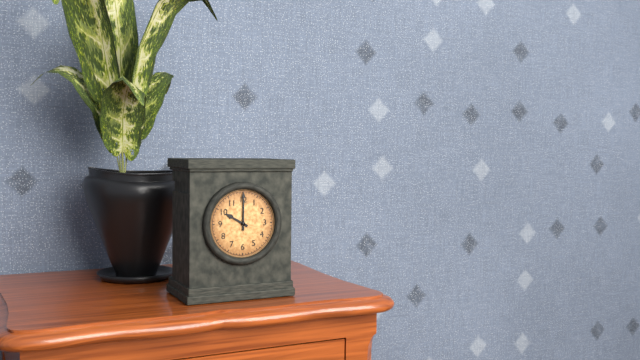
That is 10:00
